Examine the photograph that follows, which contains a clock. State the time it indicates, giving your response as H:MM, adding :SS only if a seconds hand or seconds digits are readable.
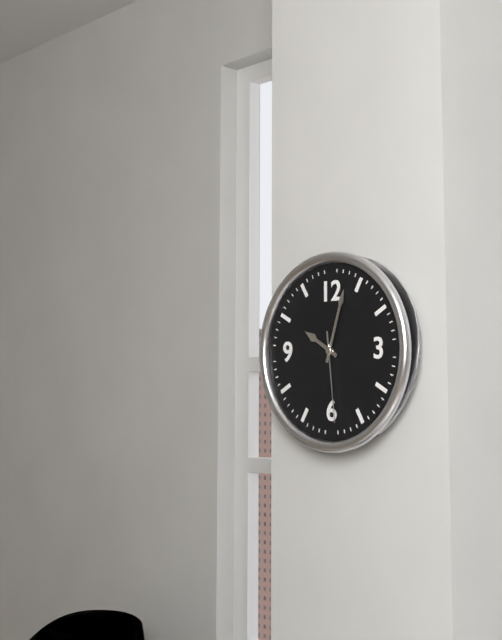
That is 10:03:29
